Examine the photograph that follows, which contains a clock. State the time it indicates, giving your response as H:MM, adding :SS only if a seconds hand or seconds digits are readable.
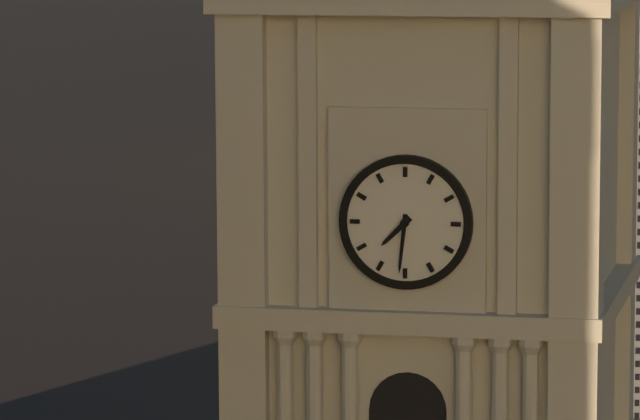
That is 7:31
